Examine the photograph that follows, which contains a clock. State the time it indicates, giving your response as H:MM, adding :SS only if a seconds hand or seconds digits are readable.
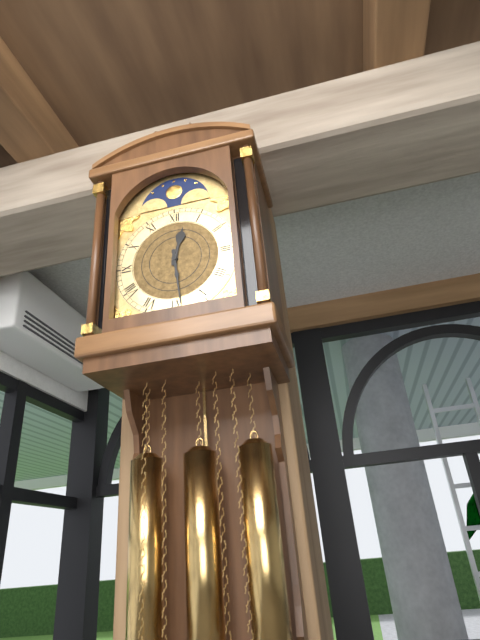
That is 12:29
